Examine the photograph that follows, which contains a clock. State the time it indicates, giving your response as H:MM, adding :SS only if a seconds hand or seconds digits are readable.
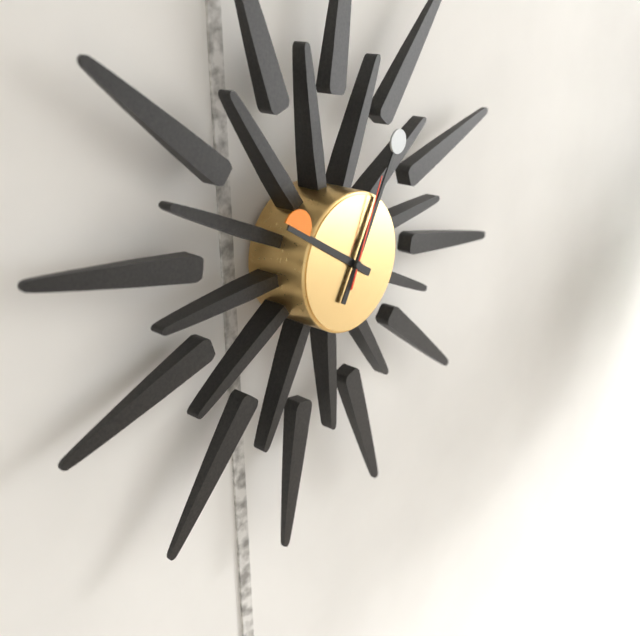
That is 10:05:04
